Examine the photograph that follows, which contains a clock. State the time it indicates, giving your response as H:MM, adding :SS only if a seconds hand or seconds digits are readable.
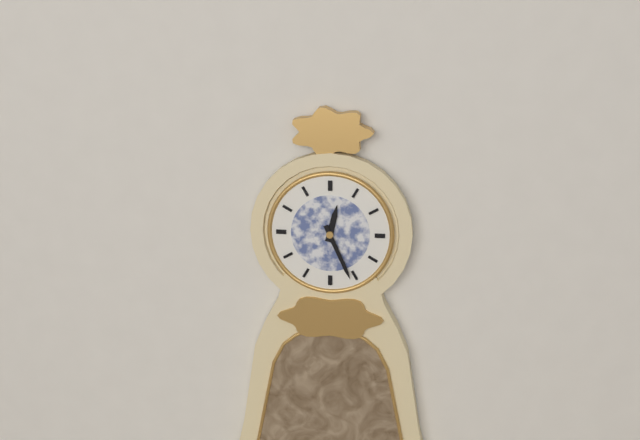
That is 12:26
